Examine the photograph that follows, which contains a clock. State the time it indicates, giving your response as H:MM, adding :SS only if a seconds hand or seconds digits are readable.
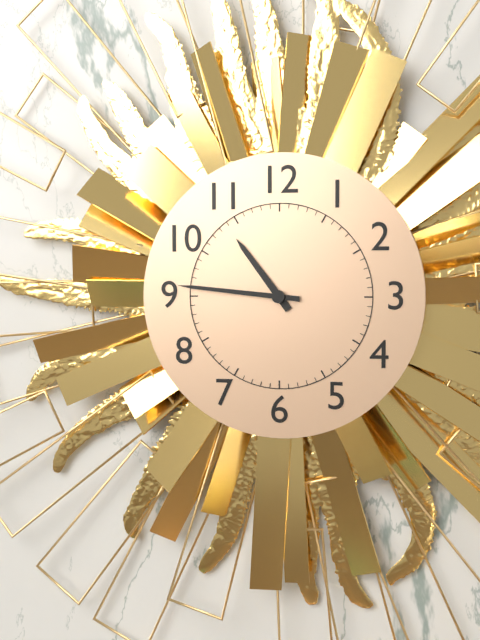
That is 10:46
